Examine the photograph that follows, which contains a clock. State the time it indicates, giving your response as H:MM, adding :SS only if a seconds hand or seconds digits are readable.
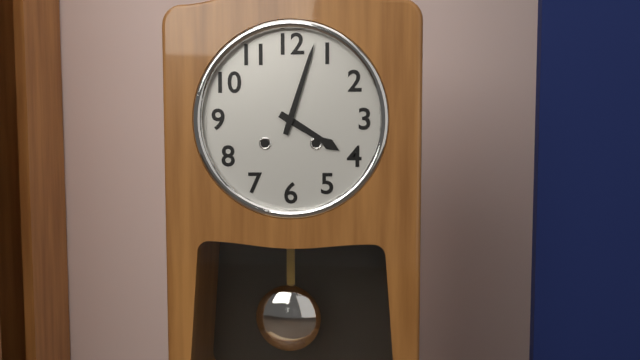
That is 4:03
